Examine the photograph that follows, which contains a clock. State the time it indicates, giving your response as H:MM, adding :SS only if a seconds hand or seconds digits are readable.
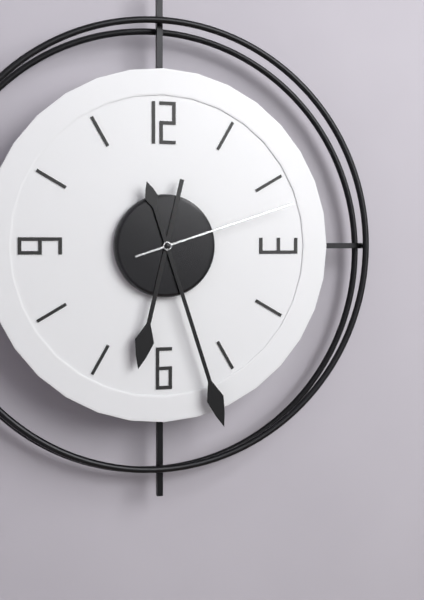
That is 6:27:12
